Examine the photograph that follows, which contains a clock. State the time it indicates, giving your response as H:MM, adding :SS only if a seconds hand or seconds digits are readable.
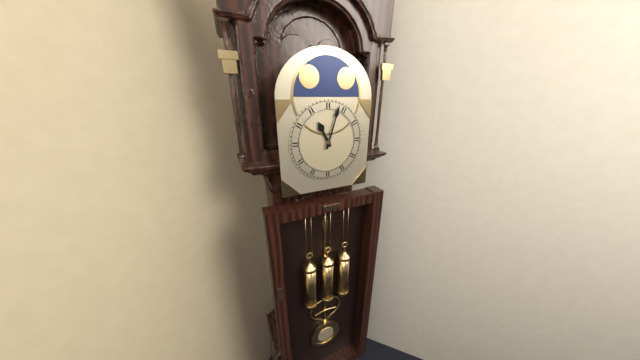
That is 11:03
